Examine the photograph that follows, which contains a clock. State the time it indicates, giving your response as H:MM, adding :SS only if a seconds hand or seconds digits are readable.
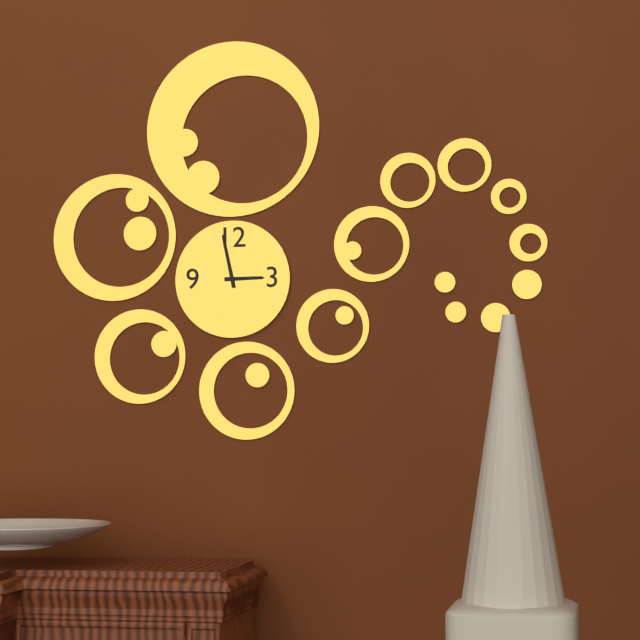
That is 2:58
